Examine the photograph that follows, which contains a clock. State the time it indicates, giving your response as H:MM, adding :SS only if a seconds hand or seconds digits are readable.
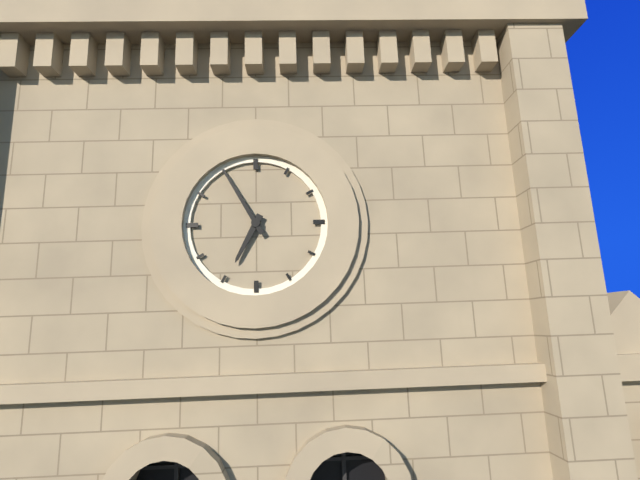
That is 6:55
